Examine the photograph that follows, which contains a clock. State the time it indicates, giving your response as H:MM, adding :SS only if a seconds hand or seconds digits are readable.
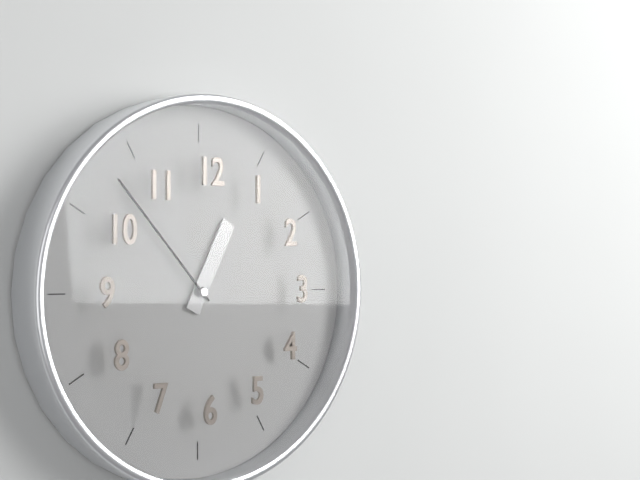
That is 12:53
